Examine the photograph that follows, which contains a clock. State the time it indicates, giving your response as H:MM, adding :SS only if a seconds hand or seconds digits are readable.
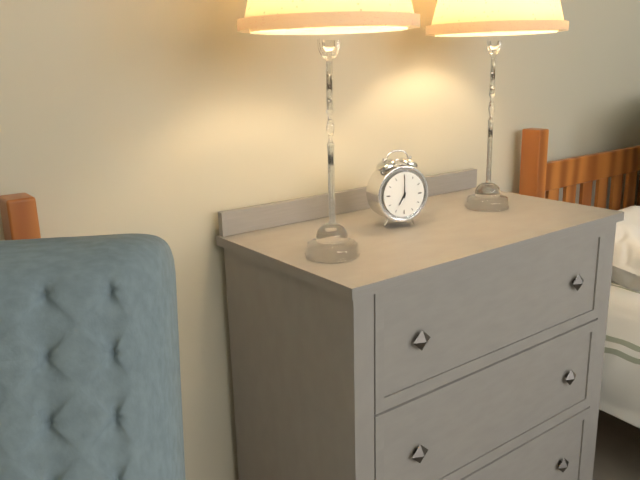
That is 7:00
